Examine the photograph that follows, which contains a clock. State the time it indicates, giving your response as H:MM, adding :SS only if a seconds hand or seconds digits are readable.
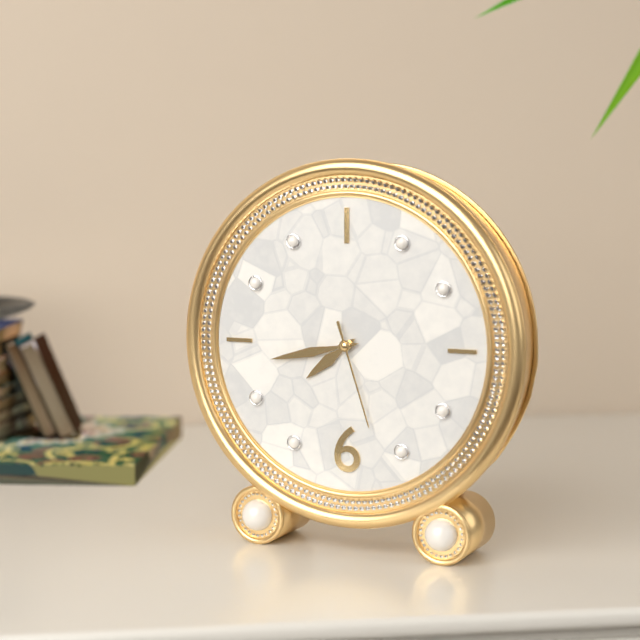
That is 7:43:27
